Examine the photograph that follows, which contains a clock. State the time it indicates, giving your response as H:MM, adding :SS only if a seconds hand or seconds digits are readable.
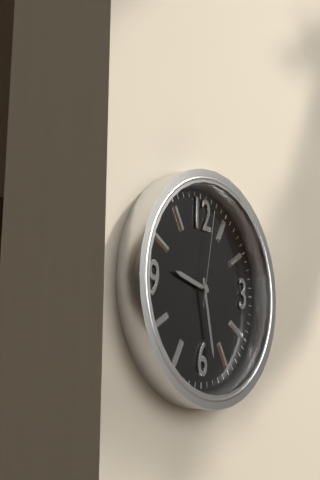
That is 9:28:02
